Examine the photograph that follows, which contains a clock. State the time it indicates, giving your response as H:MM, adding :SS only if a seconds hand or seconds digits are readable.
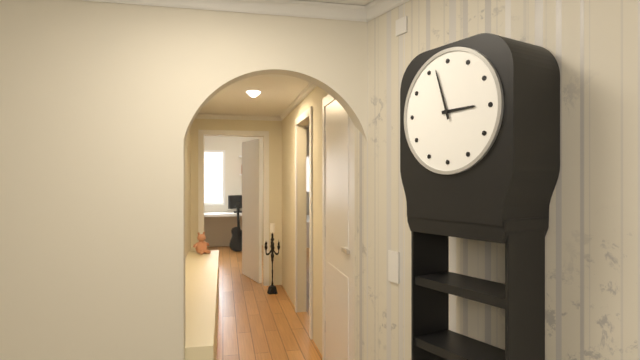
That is 2:57
